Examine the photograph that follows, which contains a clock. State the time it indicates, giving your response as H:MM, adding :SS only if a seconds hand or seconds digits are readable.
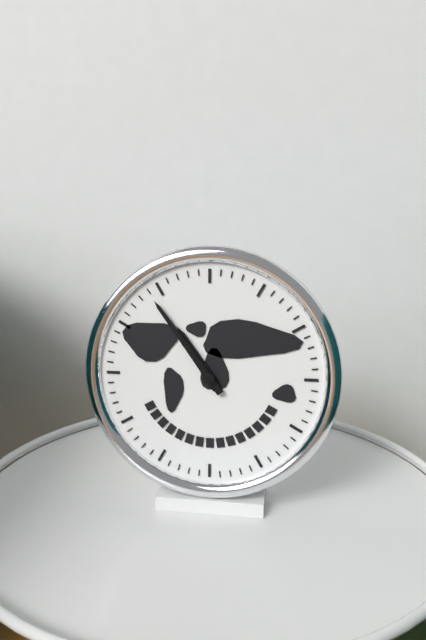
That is 10:54
